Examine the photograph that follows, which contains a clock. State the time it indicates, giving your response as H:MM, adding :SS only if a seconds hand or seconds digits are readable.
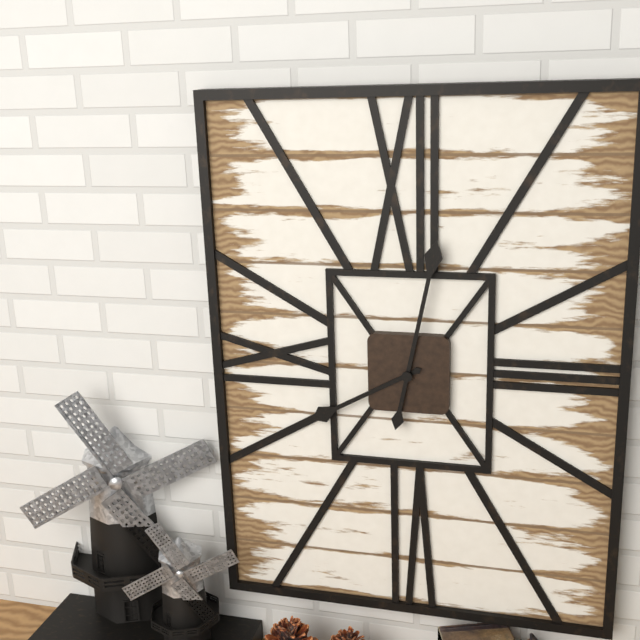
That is 8:02
